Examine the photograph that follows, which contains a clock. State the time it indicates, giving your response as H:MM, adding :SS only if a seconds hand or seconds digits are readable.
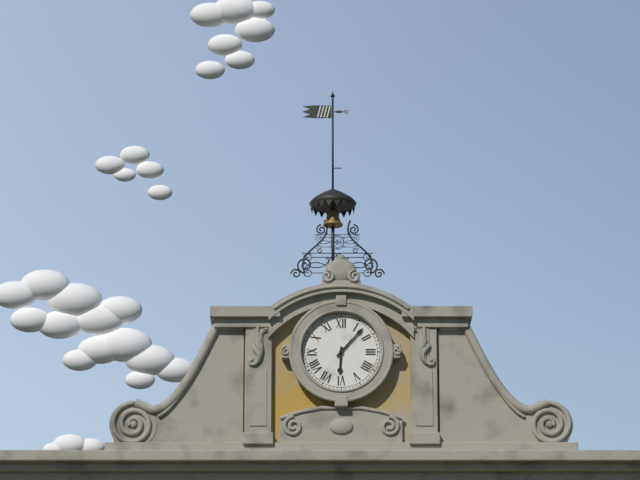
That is 6:07
